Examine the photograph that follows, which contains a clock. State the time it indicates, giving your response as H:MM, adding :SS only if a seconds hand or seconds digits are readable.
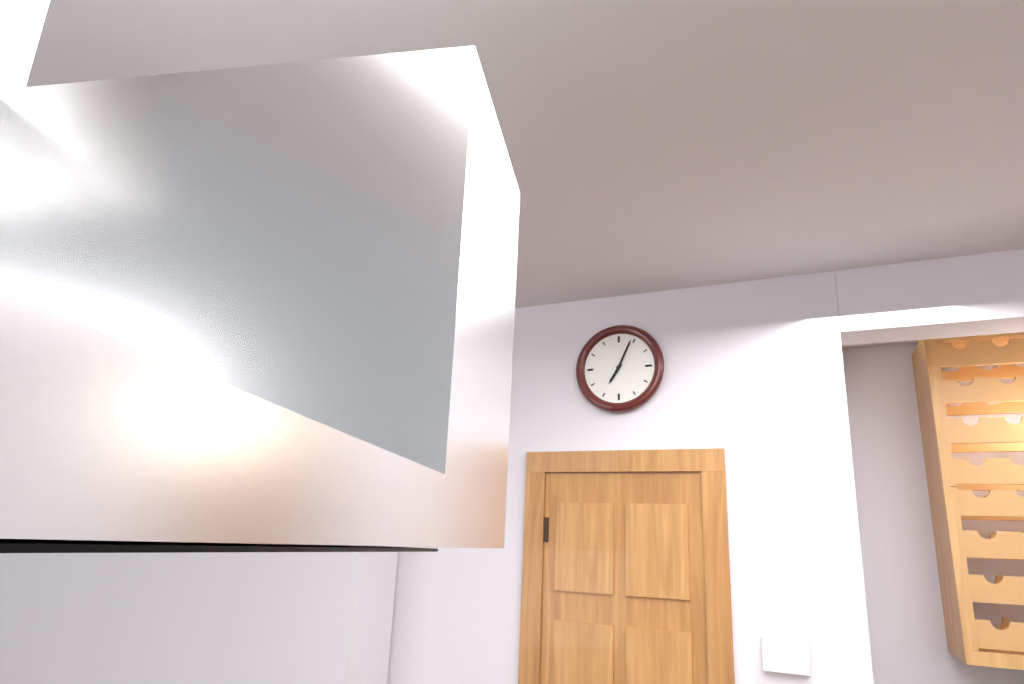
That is 7:04
